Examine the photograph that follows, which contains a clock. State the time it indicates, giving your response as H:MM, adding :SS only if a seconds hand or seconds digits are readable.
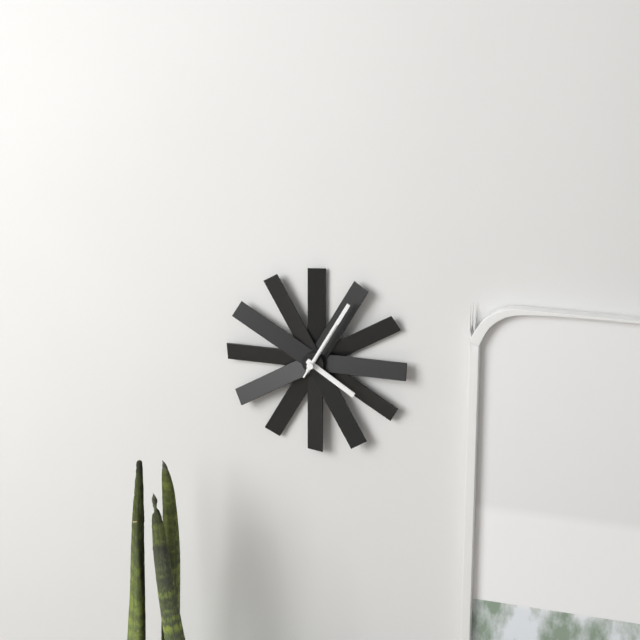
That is 4:05:05
